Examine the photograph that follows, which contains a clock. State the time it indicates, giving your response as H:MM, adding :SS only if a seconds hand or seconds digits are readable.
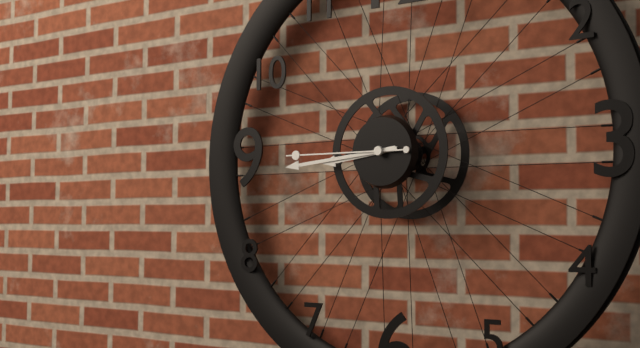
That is 8:44:45
